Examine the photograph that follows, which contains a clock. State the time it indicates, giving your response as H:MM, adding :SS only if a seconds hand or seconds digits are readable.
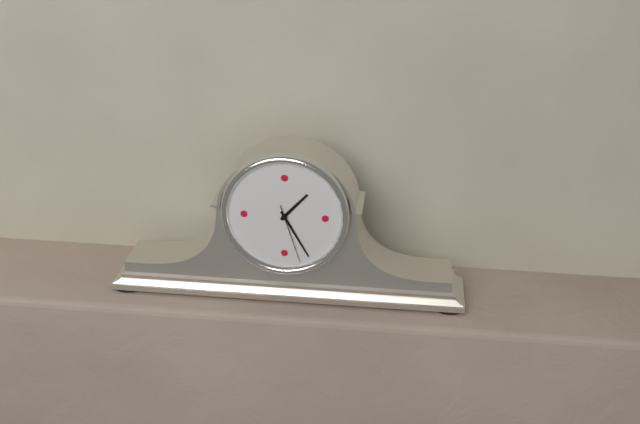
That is 1:25:27
